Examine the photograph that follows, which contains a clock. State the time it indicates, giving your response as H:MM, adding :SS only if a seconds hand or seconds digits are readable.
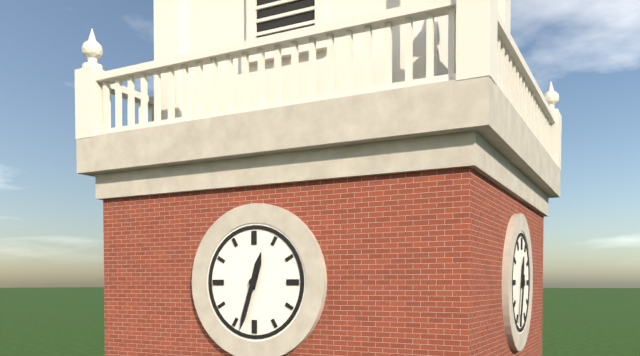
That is 12:33
